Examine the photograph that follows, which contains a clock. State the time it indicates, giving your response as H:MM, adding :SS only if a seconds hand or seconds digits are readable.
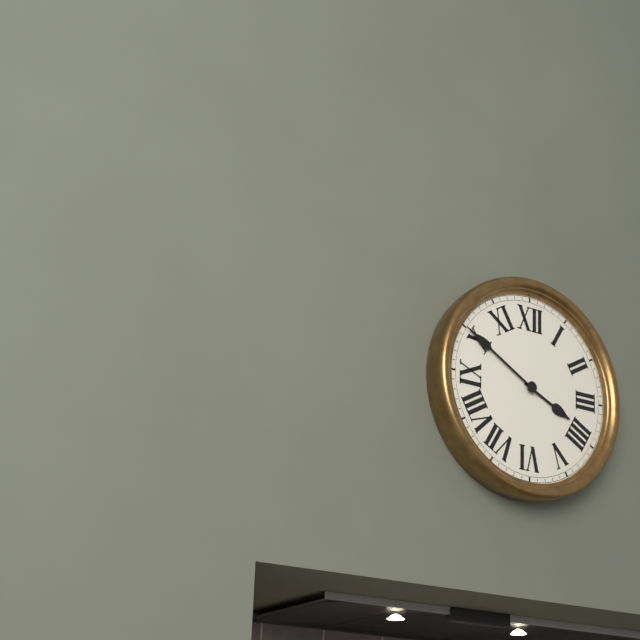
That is 3:50
